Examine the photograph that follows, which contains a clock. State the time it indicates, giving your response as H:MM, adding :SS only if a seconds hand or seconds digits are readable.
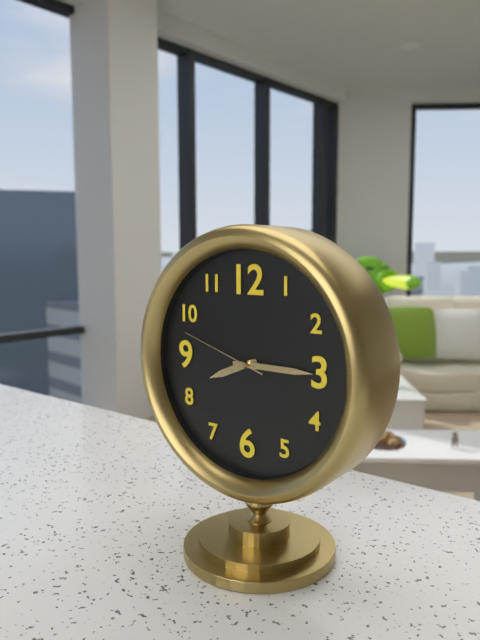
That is 8:15:48
